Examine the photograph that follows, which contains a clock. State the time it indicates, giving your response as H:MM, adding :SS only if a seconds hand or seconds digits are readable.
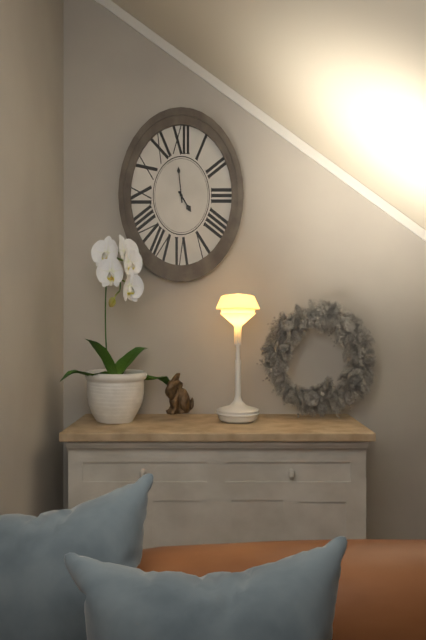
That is 4:59
